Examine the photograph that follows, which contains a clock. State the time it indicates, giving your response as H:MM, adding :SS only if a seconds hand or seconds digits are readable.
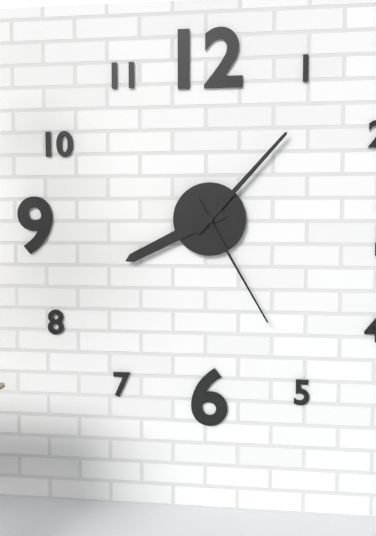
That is 8:07:25
